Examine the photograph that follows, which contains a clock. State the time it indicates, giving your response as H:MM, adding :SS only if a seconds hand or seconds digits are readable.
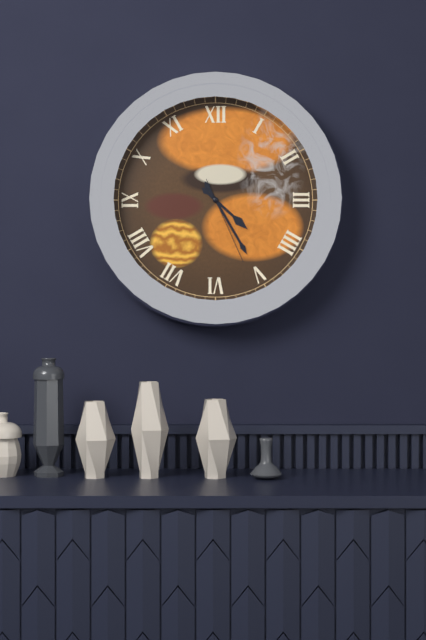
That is 4:25:26
